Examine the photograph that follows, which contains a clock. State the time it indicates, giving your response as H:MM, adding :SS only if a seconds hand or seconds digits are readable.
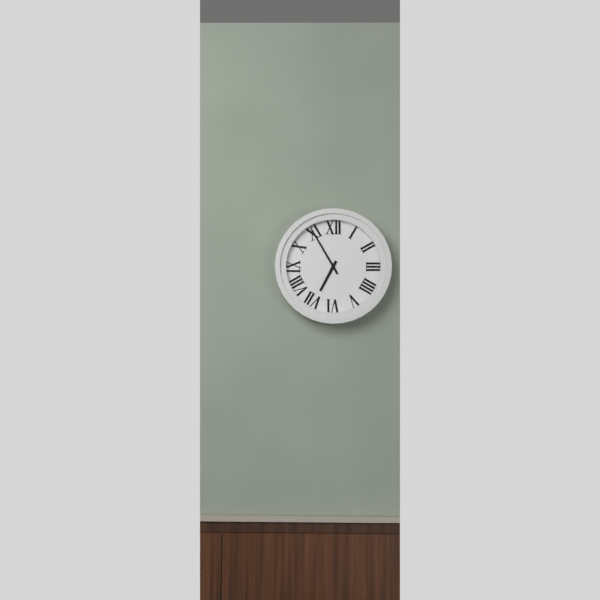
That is 6:55
